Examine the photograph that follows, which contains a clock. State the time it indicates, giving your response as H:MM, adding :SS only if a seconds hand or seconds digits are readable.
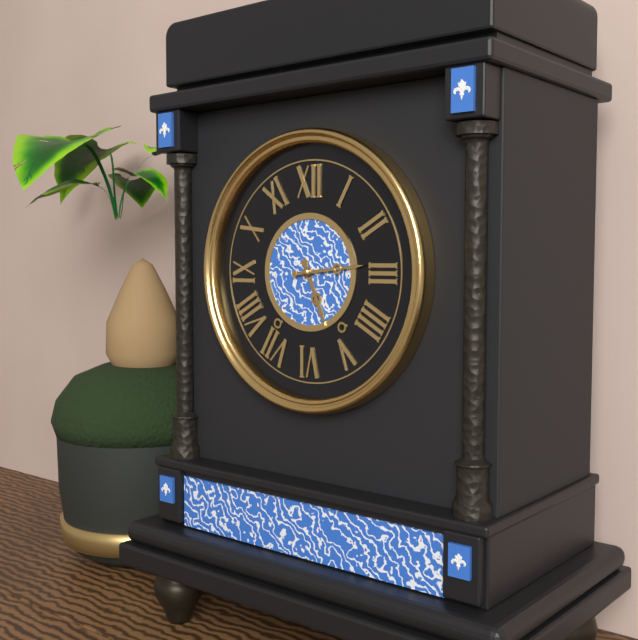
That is 5:14
